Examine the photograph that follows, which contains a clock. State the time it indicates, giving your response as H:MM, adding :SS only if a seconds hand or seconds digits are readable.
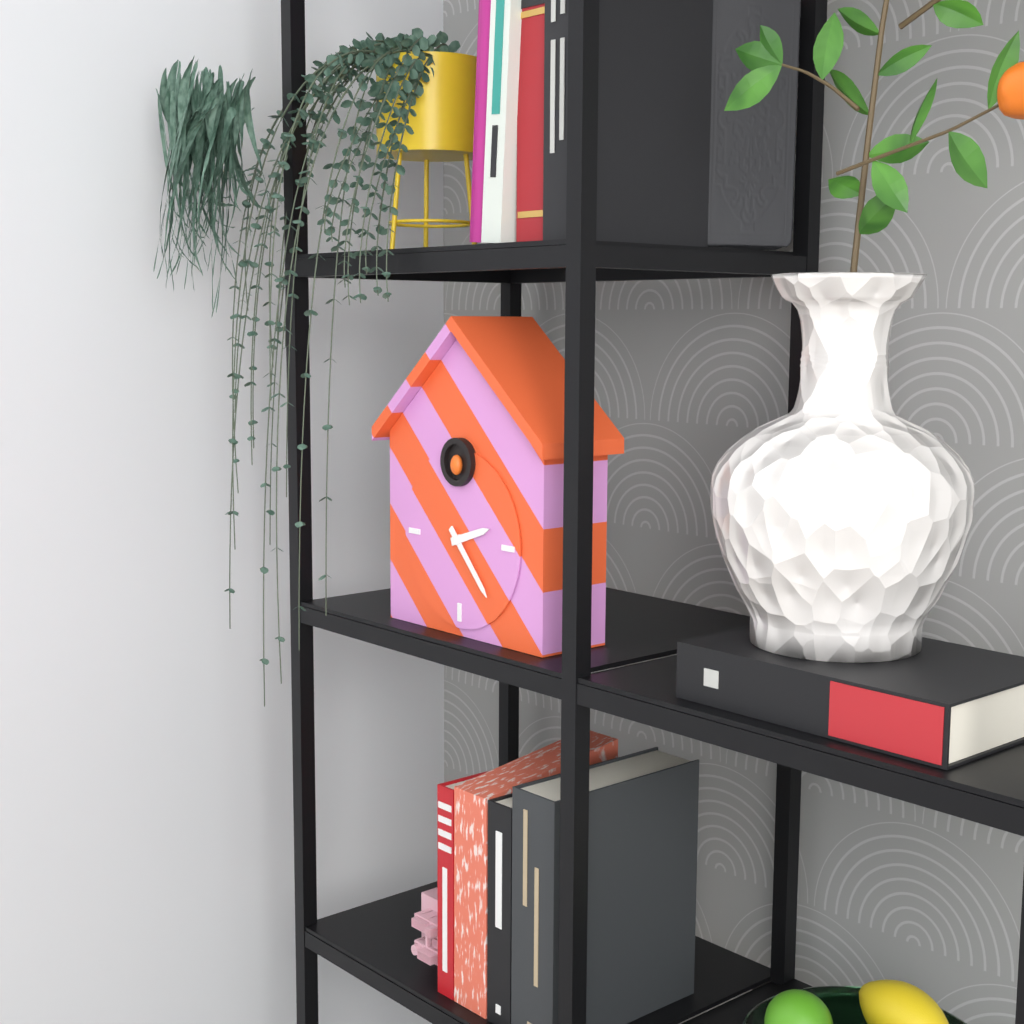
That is 2:23
